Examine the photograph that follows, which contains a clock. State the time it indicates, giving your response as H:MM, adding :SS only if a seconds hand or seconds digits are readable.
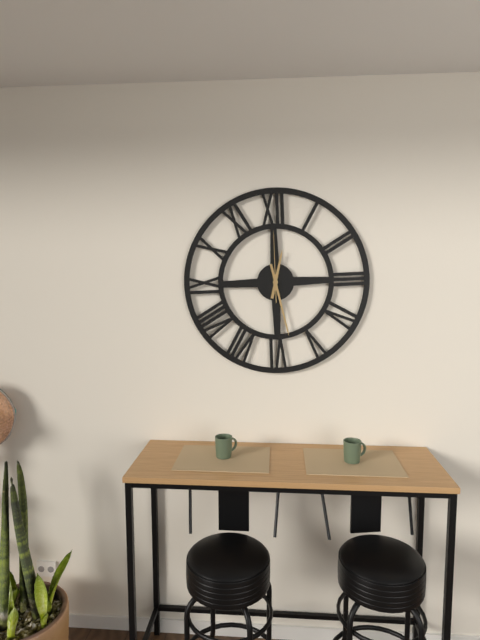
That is 12:28:00
